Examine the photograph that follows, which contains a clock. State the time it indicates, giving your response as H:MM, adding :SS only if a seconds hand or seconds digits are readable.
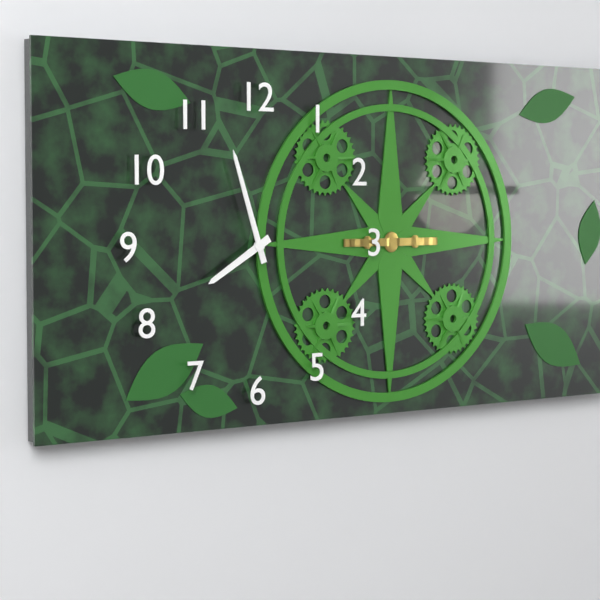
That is 7:57
